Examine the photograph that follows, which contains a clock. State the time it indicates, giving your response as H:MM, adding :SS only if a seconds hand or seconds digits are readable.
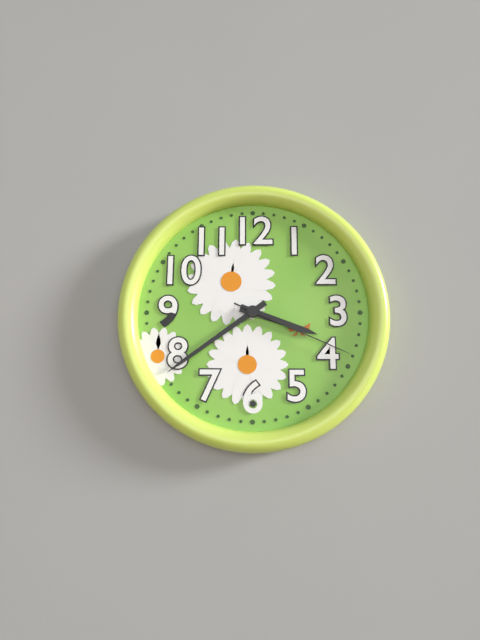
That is 3:39:19
